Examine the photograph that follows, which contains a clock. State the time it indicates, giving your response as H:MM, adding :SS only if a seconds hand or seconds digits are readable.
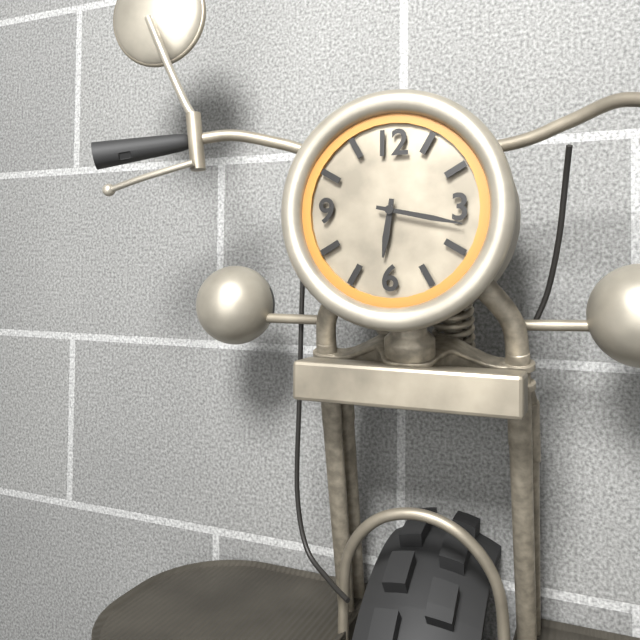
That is 6:17
